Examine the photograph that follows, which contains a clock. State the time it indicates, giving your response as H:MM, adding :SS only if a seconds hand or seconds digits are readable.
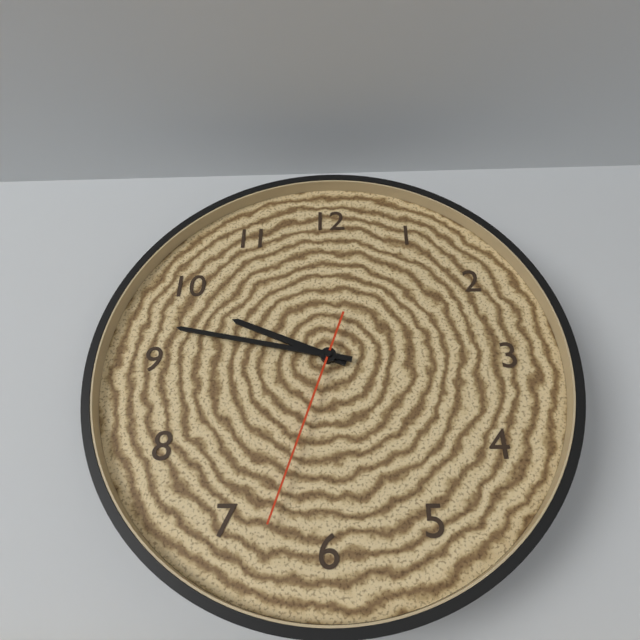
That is 9:47:33
